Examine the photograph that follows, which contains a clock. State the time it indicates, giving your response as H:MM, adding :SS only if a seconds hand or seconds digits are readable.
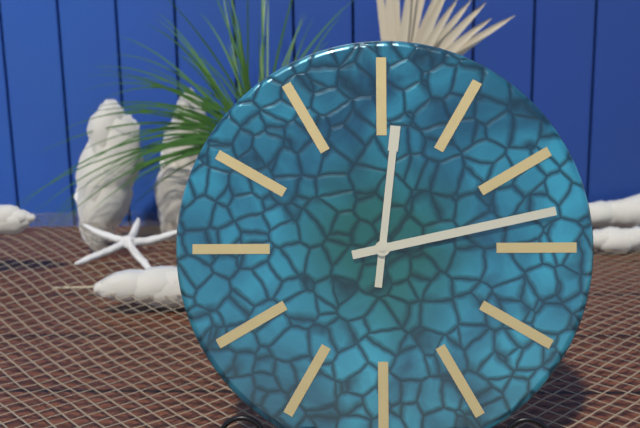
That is 12:13
